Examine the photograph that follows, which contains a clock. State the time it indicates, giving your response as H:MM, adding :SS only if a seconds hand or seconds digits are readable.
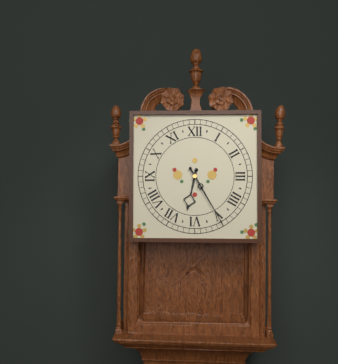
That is 6:25
